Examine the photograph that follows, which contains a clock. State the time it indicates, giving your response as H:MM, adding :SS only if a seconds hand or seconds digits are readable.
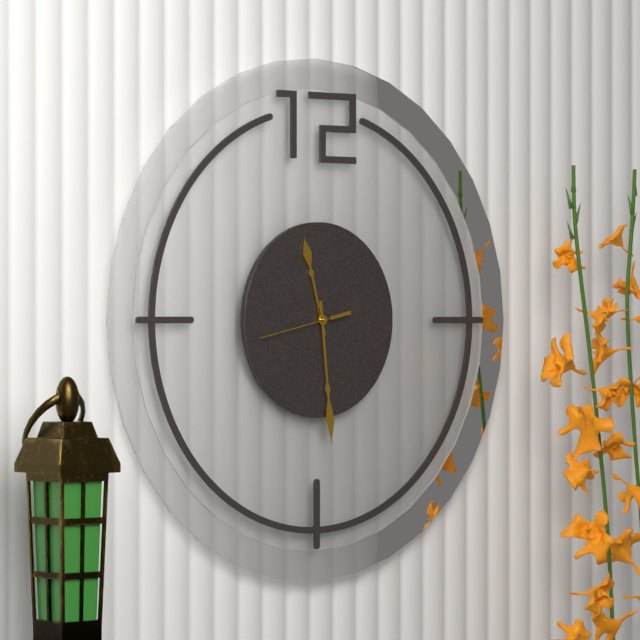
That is 11:29:43
